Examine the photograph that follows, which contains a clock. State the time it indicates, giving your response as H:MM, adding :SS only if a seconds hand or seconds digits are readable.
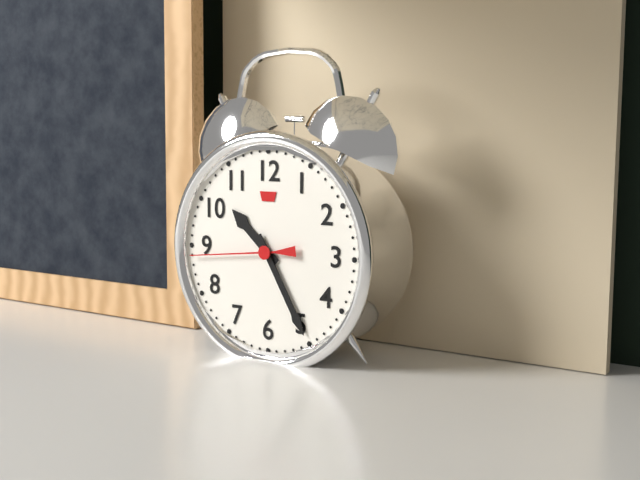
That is 10:25:44
